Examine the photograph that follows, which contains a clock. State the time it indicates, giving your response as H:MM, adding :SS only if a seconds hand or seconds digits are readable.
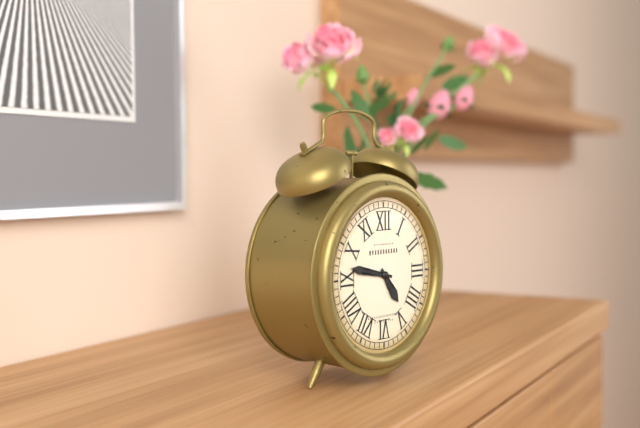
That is 4:47
